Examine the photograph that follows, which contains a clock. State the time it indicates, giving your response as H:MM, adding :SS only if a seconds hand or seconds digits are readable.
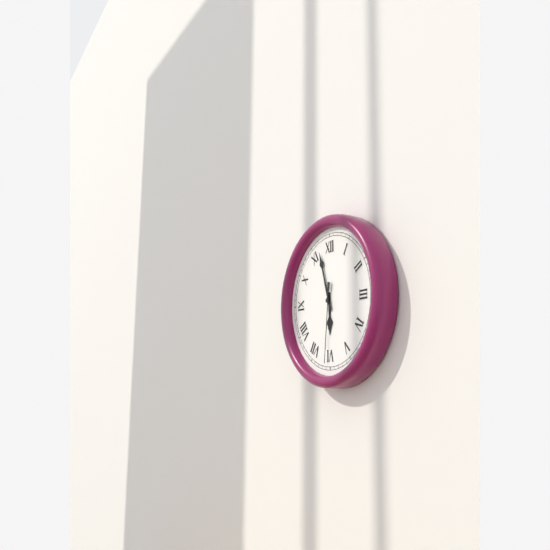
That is 5:57:31
